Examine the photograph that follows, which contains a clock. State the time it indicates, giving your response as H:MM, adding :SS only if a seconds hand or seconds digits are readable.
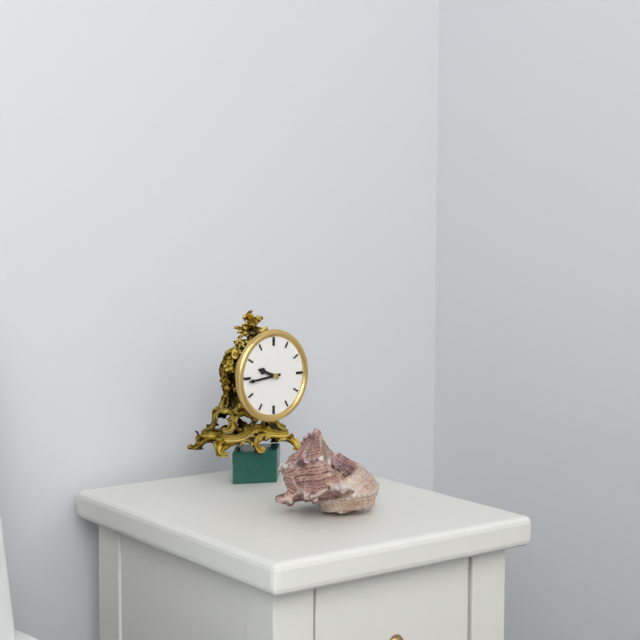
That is 9:44
